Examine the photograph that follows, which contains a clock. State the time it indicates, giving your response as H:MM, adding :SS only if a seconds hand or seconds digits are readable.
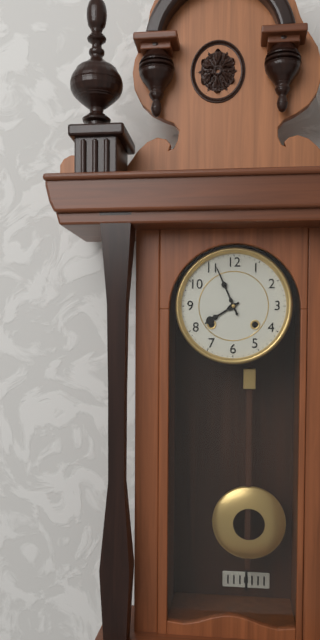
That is 7:56
